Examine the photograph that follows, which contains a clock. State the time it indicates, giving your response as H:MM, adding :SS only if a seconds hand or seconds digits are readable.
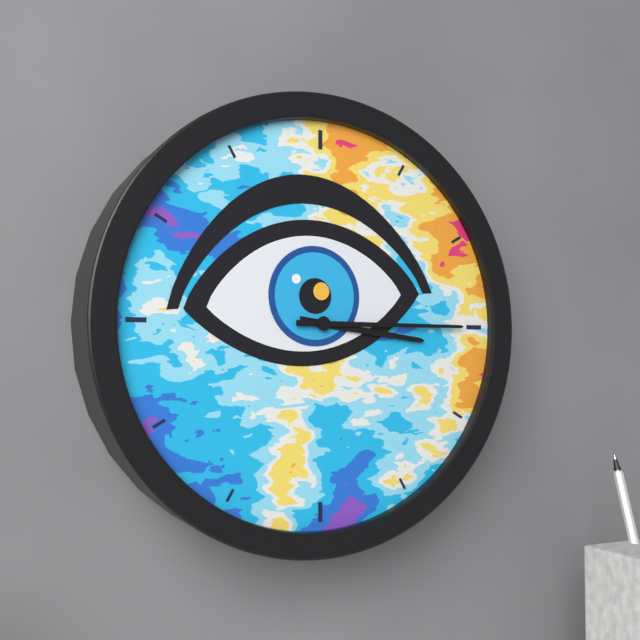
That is 3:15
